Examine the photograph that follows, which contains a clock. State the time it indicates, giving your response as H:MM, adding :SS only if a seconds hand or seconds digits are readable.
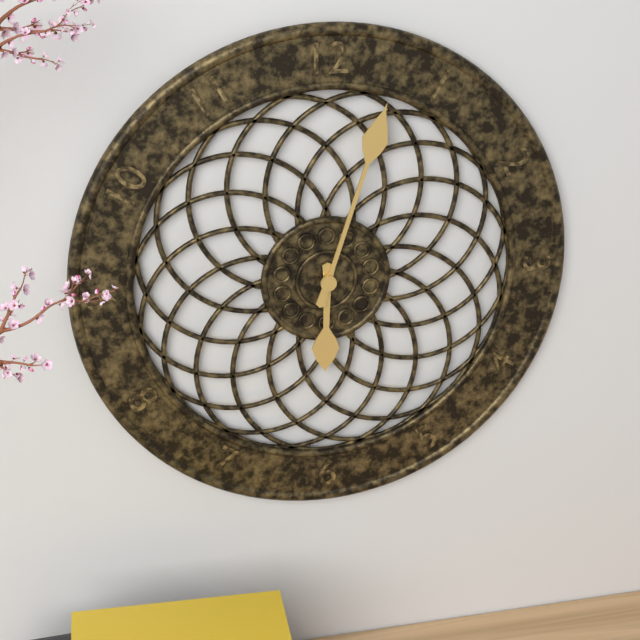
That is 6:03
